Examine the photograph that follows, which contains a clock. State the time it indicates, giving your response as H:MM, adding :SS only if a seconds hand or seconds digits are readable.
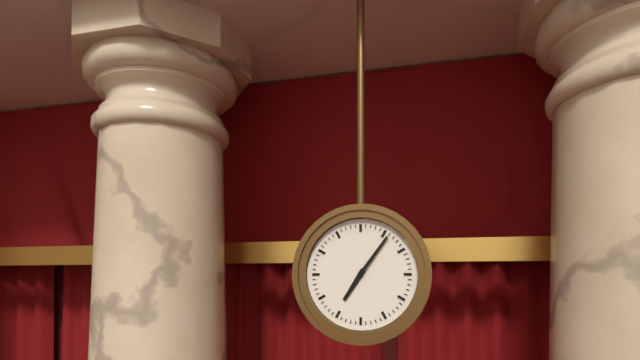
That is 7:06
